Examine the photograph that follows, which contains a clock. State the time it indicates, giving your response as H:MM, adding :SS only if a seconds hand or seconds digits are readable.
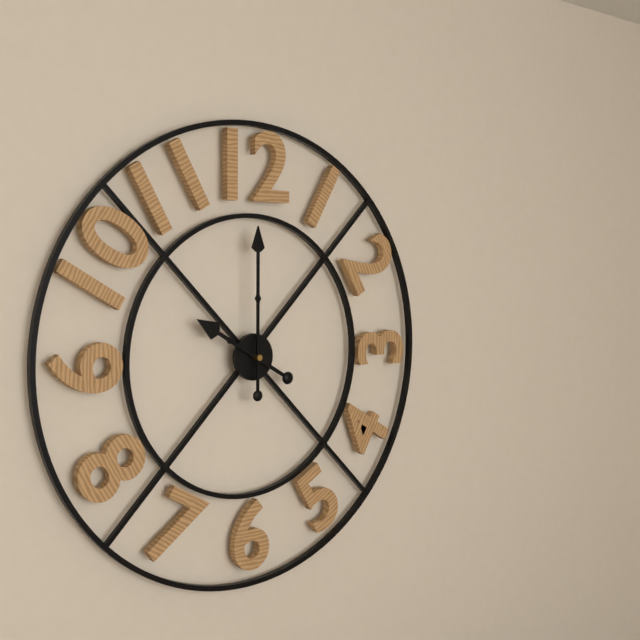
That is 10:00
